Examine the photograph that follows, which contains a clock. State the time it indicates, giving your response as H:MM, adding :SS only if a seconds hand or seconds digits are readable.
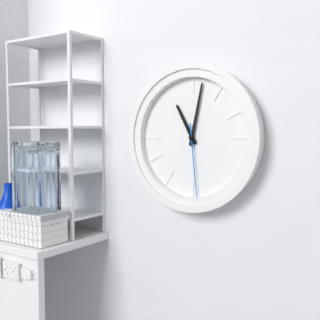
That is 11:02:29
